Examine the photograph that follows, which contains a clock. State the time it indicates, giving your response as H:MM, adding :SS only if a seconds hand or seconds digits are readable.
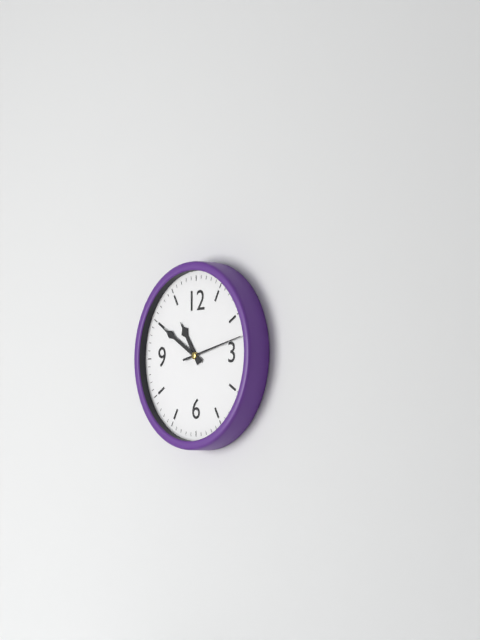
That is 10:50
